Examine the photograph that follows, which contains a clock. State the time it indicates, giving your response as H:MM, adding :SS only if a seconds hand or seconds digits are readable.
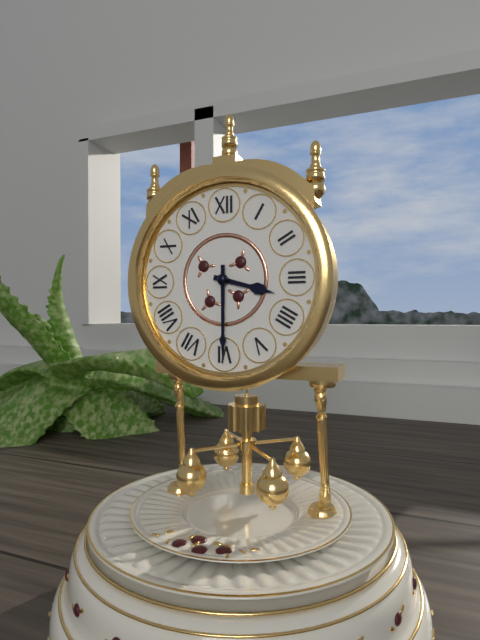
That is 3:30
